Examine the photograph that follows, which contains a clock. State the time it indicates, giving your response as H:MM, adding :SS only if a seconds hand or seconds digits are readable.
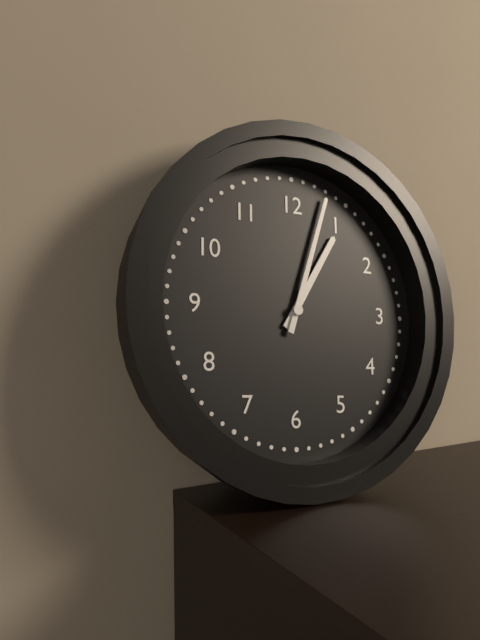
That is 1:03
